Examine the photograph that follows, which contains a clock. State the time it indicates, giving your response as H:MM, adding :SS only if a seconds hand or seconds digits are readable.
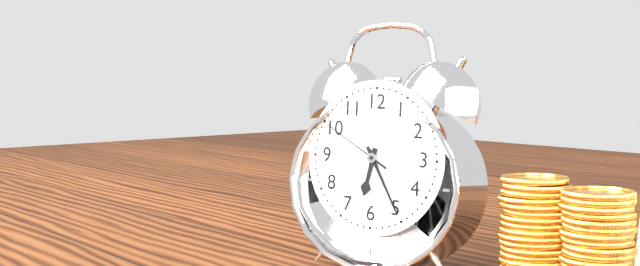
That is 6:25:50
